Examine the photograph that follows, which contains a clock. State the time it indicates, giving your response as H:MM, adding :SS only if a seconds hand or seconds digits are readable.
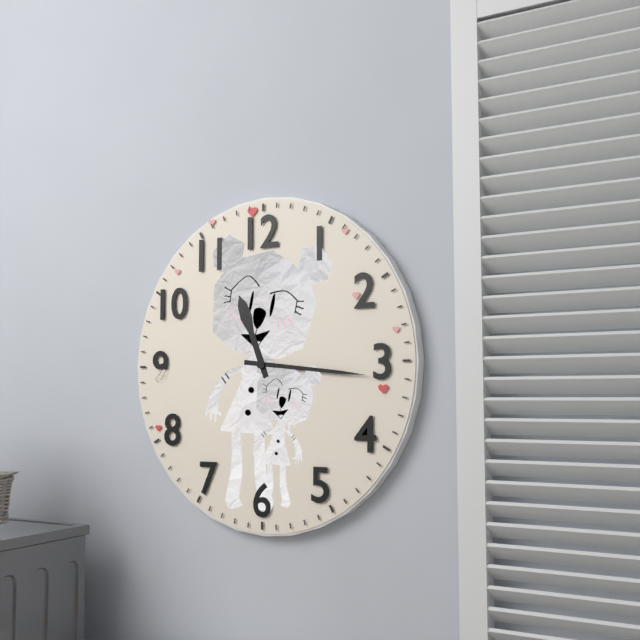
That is 11:16
